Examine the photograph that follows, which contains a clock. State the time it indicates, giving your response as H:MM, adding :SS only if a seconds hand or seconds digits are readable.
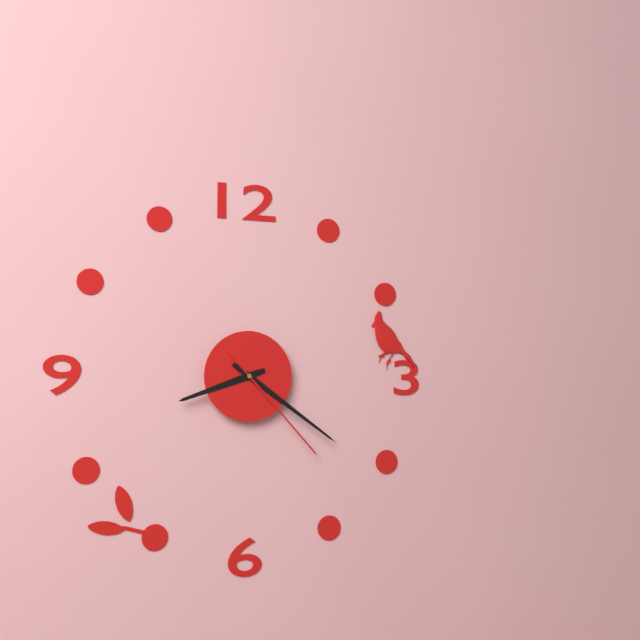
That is 8:21:23
